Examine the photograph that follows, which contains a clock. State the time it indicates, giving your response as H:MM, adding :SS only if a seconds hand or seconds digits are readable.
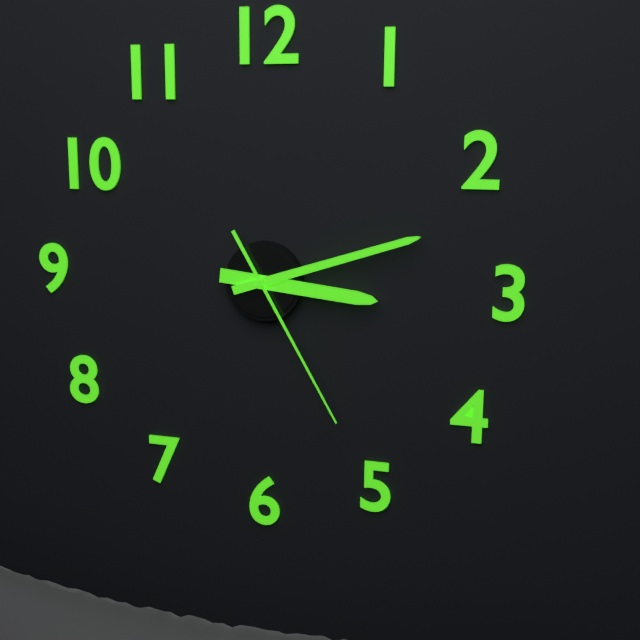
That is 3:12:25
